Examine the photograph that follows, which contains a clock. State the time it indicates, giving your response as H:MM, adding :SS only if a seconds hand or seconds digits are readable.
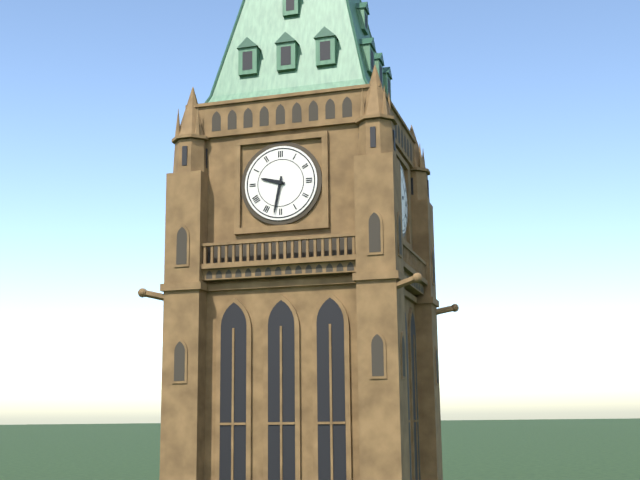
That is 9:32
